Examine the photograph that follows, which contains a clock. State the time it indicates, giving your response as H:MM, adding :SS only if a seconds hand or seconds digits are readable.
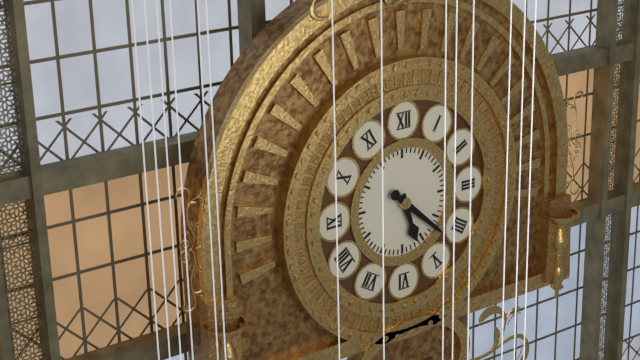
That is 5:22
